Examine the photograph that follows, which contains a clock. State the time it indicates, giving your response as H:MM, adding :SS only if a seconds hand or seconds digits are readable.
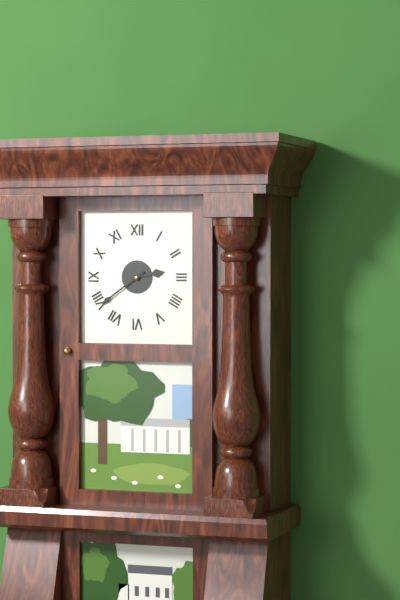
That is 2:39
